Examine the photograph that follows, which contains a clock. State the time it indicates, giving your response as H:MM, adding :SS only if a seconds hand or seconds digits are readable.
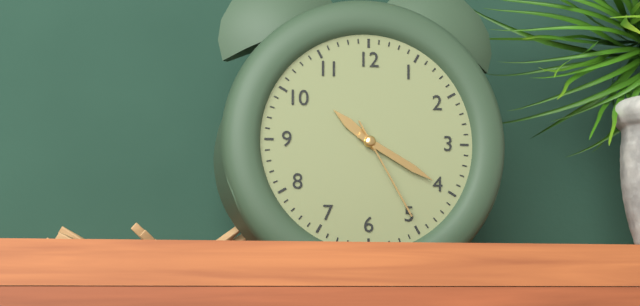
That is 10:20:25
